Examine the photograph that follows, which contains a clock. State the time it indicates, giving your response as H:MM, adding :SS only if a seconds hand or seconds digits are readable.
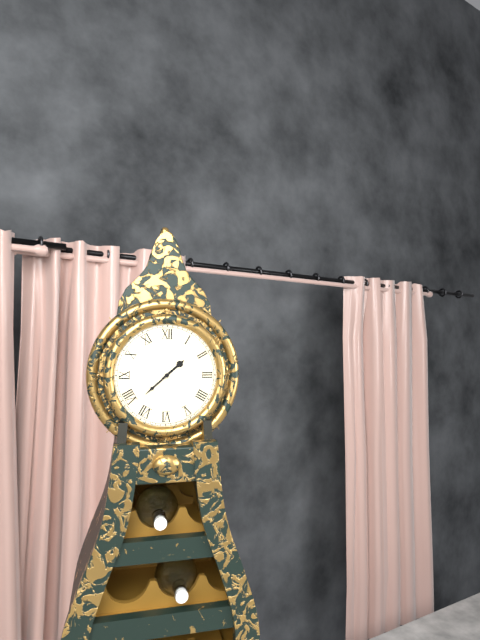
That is 1:38
